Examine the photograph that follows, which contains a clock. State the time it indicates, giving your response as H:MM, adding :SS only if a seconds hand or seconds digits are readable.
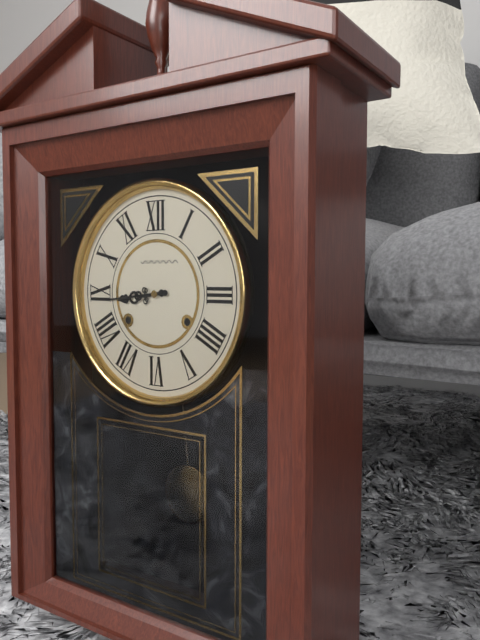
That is 8:44
